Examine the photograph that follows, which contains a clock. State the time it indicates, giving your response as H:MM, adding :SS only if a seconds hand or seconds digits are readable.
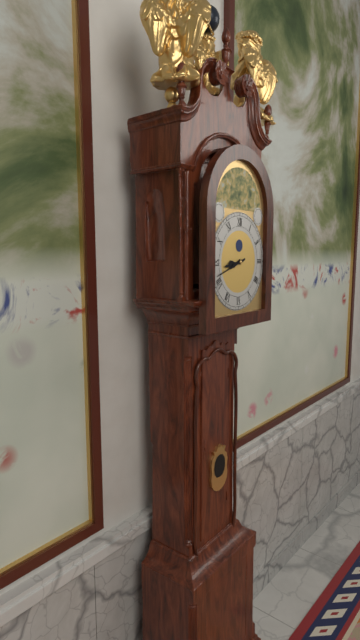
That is 8:42
